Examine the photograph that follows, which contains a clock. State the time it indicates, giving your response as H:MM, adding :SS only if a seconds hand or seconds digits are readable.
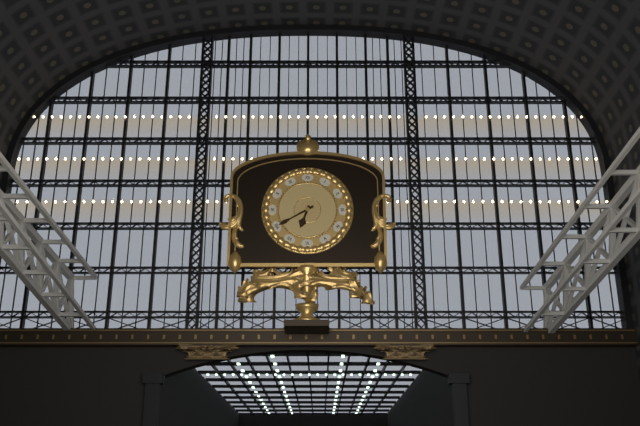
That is 6:40
